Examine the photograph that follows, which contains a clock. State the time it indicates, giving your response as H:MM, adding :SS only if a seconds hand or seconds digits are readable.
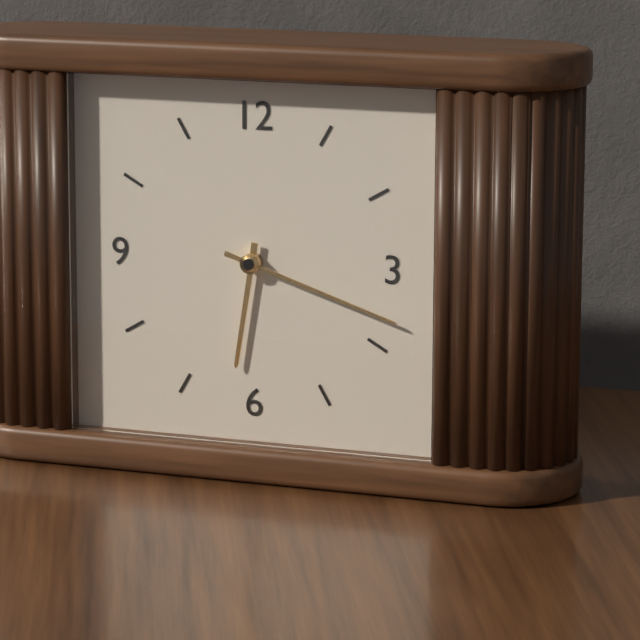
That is 6:18
